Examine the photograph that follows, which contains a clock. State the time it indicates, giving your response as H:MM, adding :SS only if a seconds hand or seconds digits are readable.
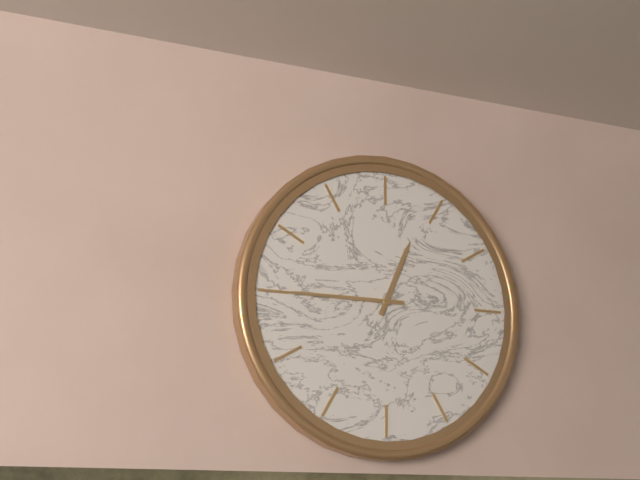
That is 12:45
